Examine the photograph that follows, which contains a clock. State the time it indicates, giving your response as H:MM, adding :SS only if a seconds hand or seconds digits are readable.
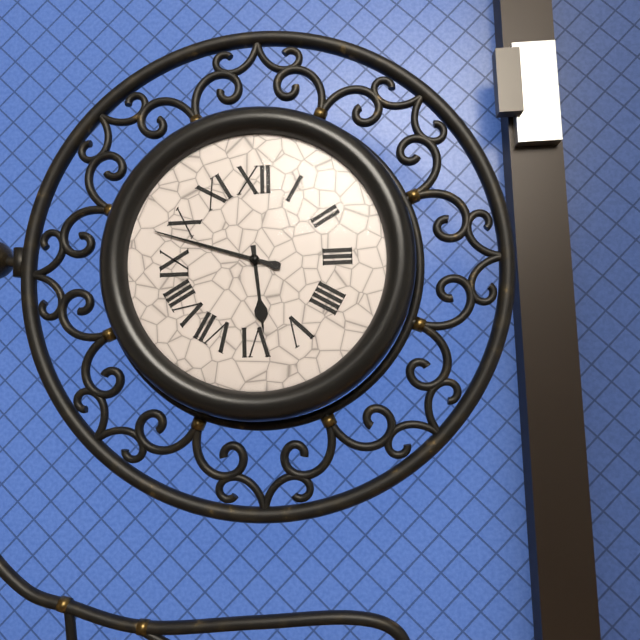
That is 5:48
